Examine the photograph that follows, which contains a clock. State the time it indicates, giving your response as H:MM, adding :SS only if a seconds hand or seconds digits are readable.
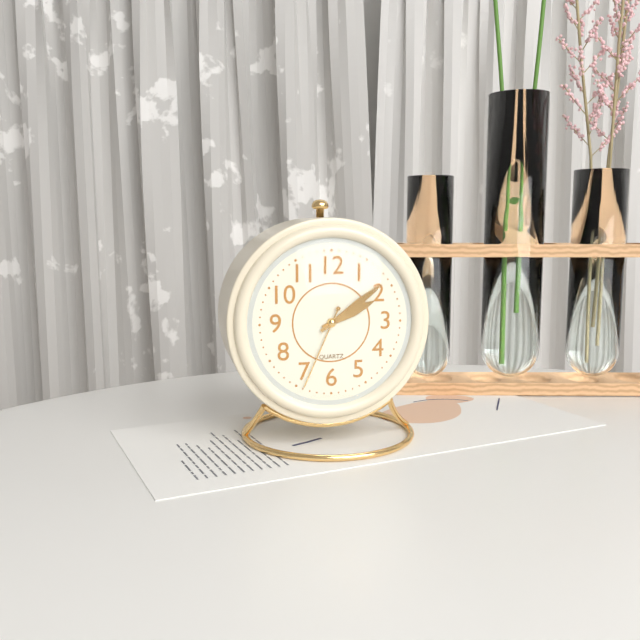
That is 2:09:34
